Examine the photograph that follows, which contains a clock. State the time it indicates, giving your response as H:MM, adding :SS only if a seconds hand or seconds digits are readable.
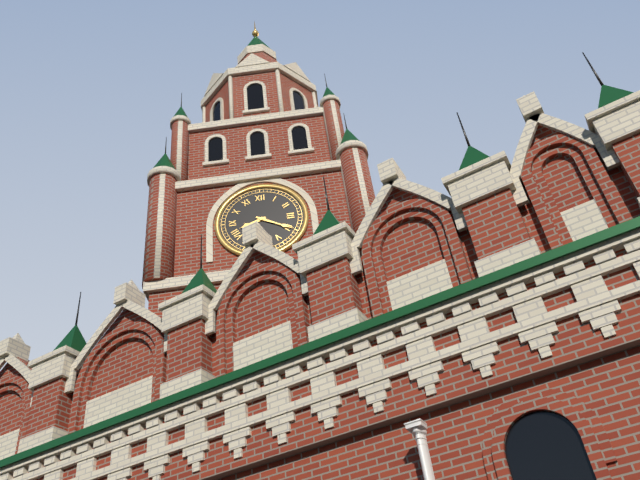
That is 8:20
